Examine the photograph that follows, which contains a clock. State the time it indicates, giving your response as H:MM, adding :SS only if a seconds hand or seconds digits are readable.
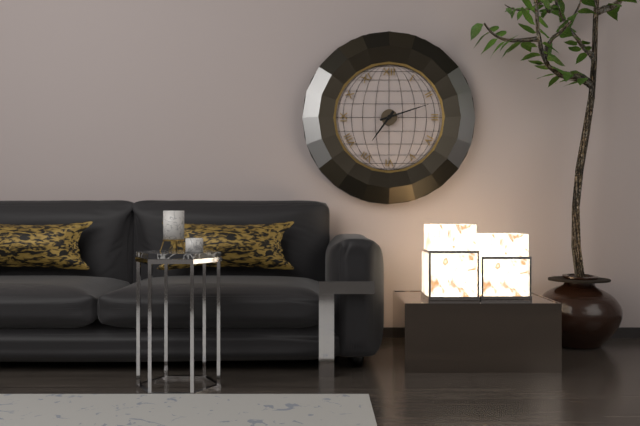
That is 7:12
